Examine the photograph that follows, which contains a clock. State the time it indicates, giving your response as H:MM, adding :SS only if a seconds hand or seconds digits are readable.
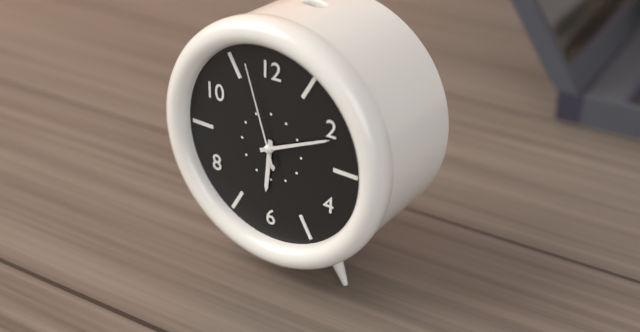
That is 6:11:57
